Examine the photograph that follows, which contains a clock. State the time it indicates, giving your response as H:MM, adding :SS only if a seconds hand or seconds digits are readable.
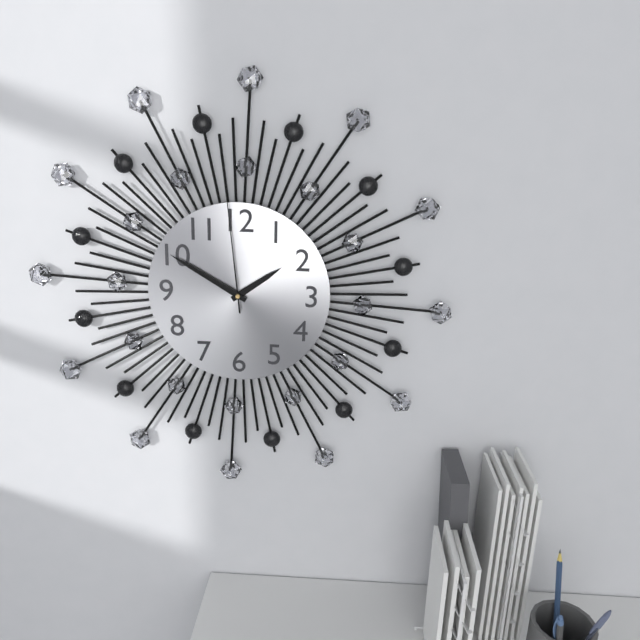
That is 1:50:59
